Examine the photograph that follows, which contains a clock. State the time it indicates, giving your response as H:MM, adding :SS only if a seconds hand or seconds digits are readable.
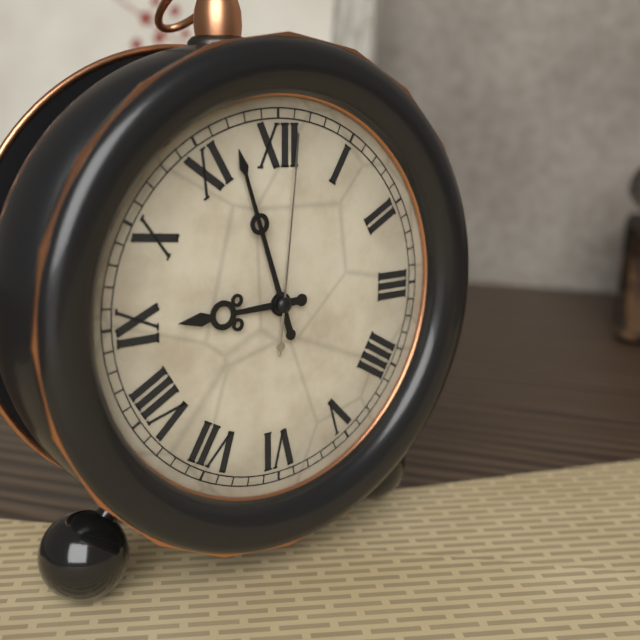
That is 8:57:01
